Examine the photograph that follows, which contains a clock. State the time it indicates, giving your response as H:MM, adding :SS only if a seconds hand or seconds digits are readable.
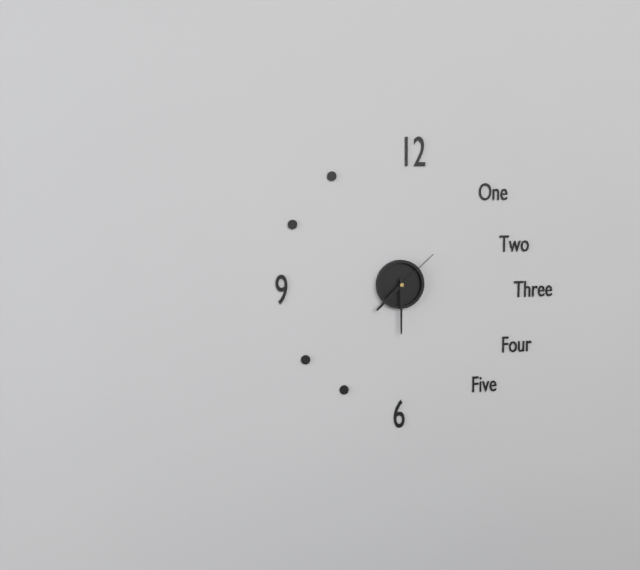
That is 7:30:08
